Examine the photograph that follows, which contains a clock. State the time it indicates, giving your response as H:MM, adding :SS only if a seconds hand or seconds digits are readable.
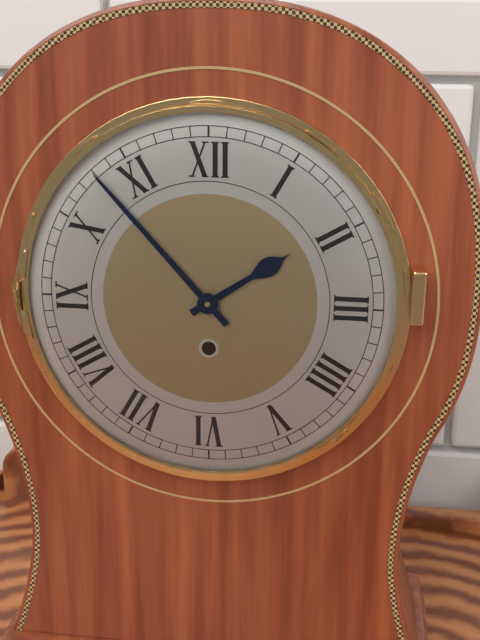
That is 1:53
